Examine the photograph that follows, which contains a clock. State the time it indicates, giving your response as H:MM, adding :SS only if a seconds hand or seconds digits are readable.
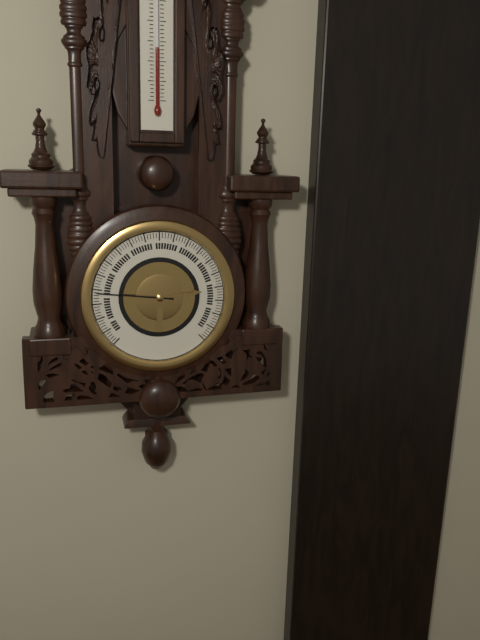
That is 2:46
